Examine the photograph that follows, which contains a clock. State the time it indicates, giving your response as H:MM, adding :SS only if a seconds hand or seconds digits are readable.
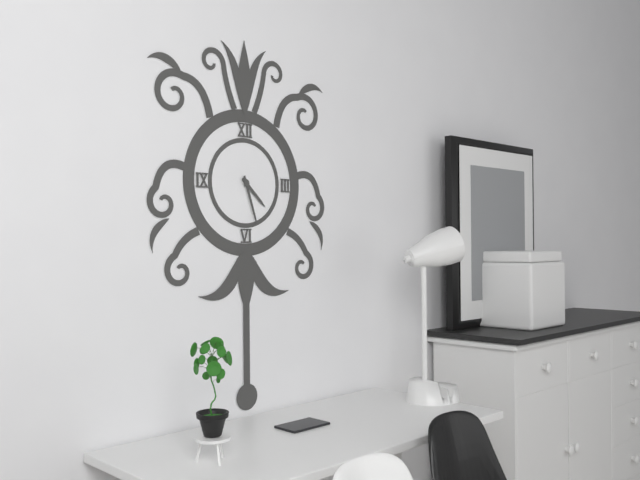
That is 4:27
